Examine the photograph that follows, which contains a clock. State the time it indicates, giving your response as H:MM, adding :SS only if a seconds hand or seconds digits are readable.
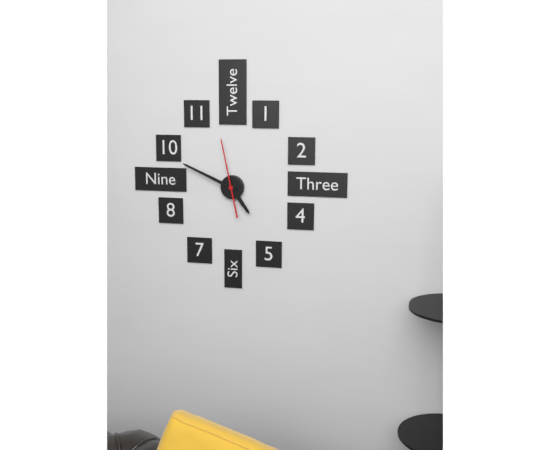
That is 4:49:58
